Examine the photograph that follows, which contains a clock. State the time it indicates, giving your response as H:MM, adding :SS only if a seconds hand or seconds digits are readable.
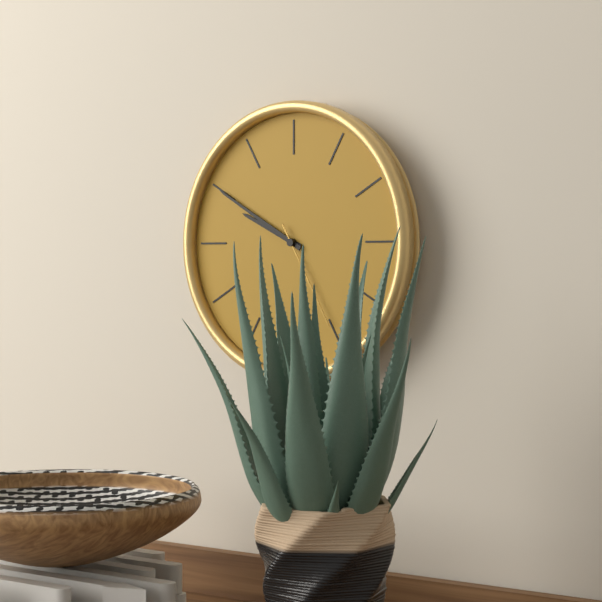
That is 9:50:25
